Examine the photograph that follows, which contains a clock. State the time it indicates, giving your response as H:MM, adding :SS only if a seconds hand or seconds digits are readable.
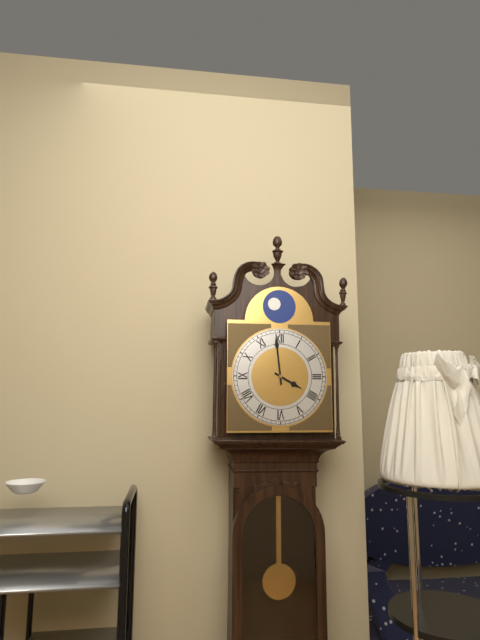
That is 3:59
